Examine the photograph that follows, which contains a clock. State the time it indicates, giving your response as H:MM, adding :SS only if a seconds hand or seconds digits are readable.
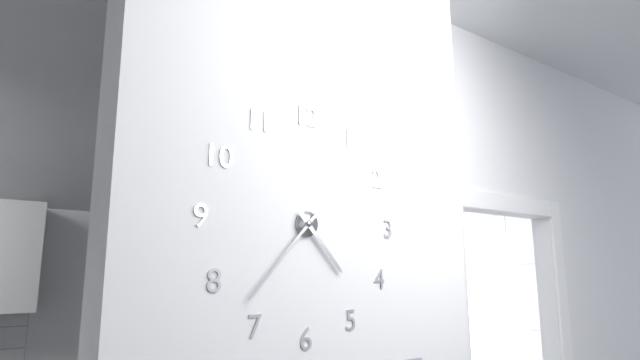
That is 4:37
